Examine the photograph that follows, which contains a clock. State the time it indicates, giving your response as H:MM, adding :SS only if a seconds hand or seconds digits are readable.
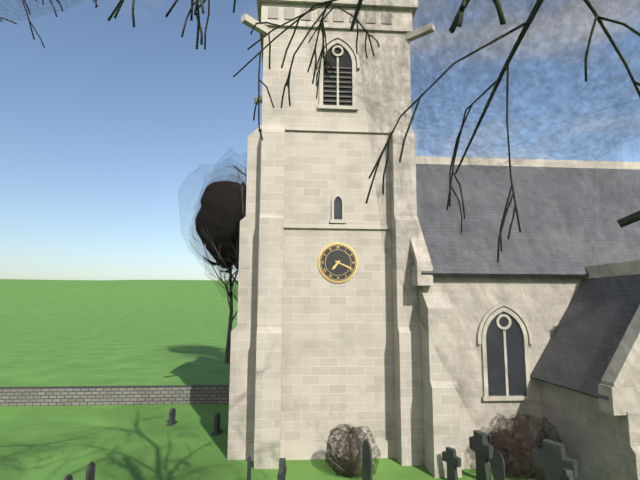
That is 7:19
